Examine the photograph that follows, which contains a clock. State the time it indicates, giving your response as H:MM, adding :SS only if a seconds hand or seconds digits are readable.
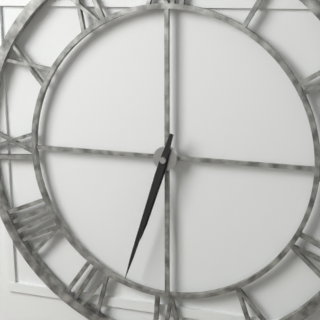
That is 6:33
